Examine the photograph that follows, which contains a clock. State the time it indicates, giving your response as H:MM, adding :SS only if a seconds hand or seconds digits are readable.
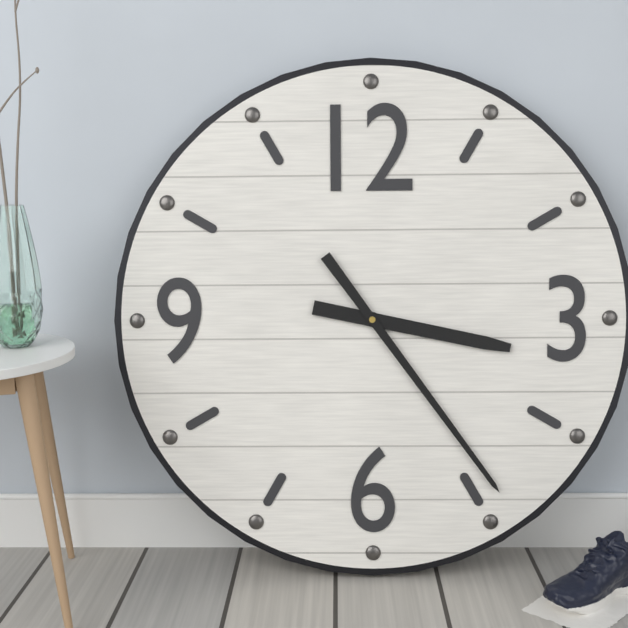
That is 3:24
